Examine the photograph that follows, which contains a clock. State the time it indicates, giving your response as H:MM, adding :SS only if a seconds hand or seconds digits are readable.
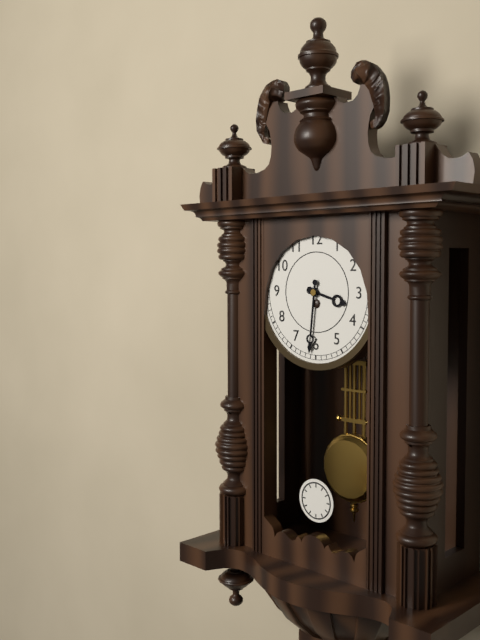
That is 3:31
